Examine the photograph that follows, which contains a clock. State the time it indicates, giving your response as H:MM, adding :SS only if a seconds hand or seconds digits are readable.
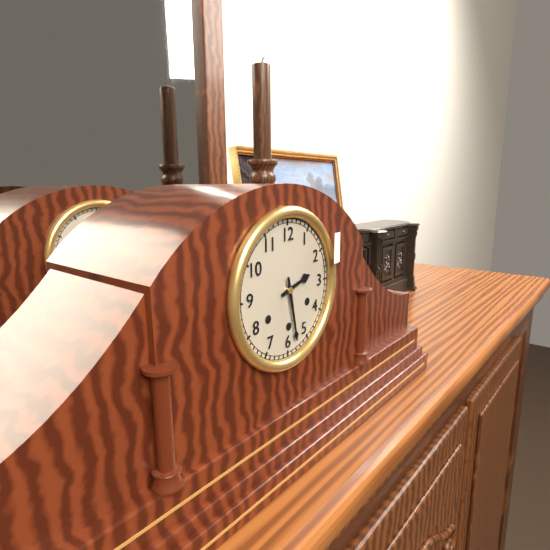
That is 2:28
